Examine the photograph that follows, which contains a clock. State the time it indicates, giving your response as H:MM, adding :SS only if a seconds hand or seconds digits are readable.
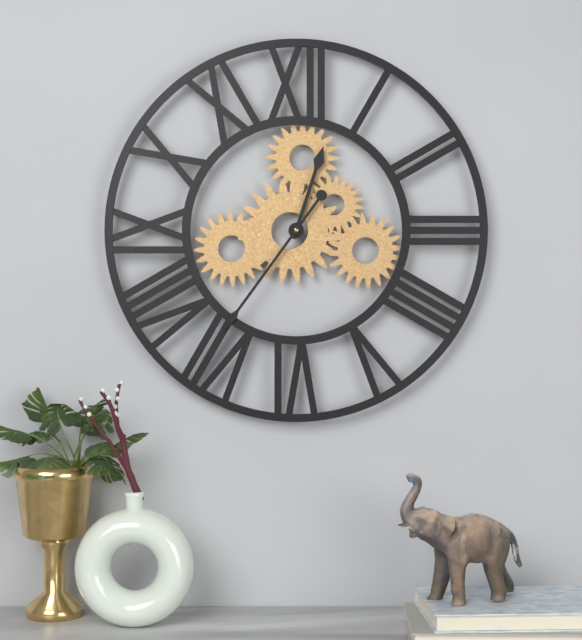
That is 12:36
